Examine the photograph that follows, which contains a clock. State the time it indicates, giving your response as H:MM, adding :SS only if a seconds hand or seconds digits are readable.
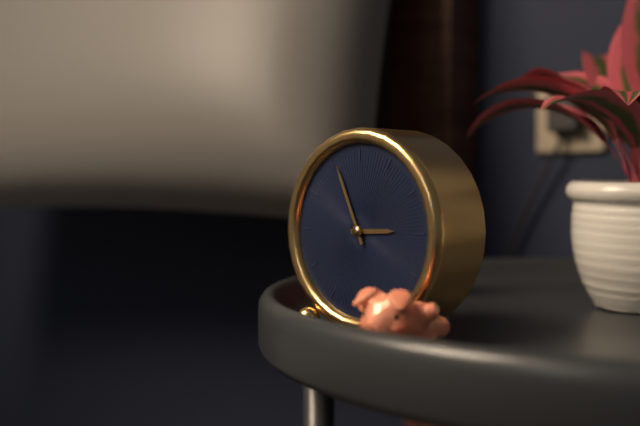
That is 2:56
